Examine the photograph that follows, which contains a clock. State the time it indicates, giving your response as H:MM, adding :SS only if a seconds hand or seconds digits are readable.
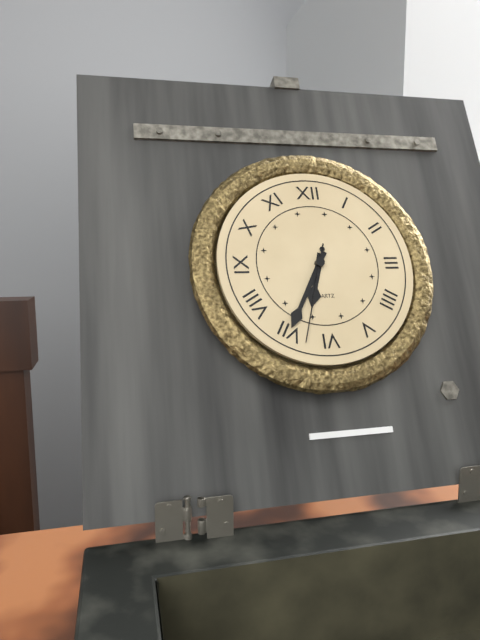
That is 6:35:33
